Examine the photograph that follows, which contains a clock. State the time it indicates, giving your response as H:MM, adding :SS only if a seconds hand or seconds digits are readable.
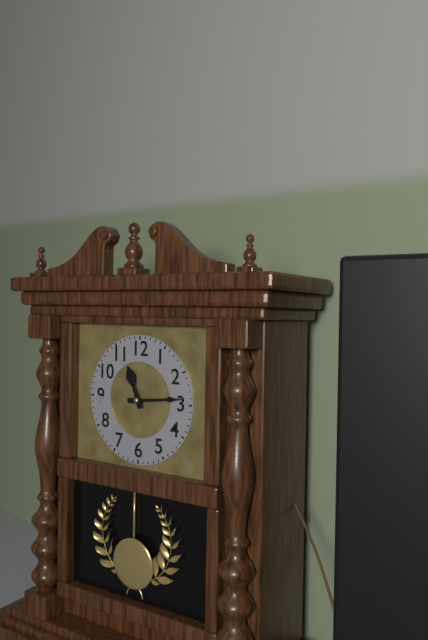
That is 11:14
